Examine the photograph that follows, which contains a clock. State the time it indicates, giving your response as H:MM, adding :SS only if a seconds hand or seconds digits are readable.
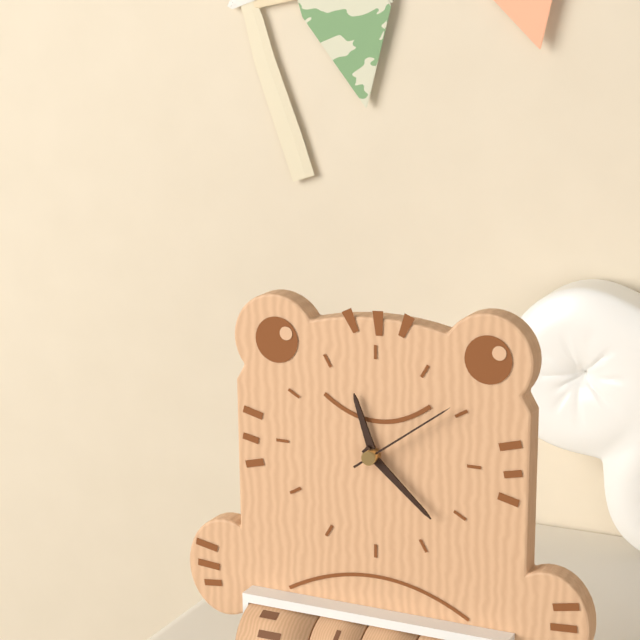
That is 11:22:09
